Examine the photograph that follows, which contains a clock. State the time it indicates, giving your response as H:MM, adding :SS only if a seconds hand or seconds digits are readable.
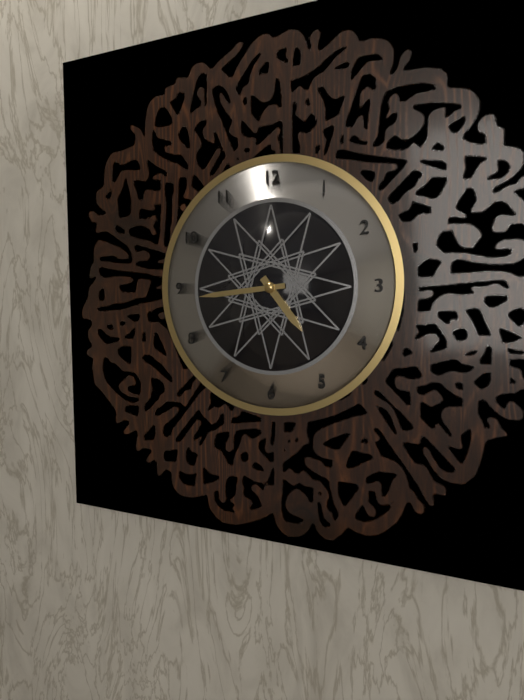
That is 4:44
